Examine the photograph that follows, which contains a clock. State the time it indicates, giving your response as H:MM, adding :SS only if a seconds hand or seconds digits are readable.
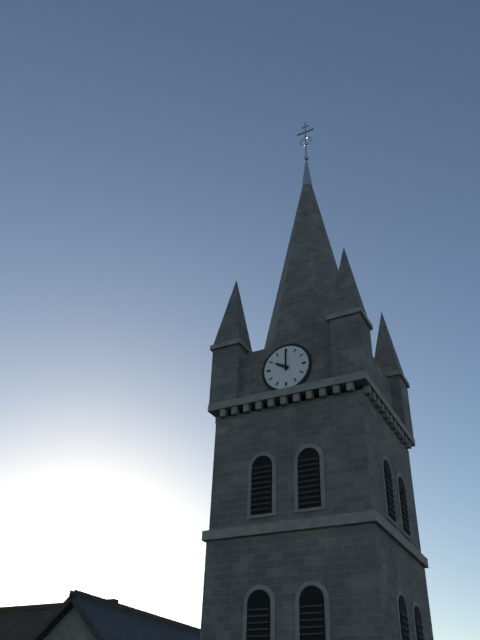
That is 10:00
